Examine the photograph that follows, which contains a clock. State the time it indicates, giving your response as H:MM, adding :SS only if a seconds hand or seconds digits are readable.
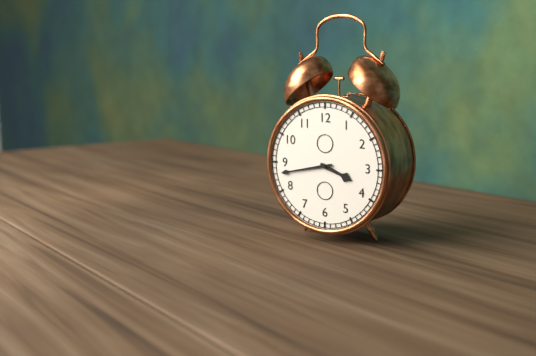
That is 3:43
